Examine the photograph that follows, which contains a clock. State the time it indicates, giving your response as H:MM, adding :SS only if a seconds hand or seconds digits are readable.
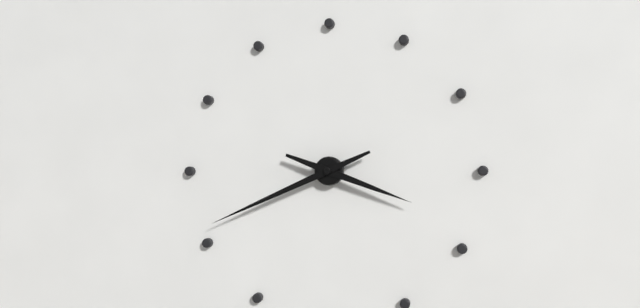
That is 3:41
